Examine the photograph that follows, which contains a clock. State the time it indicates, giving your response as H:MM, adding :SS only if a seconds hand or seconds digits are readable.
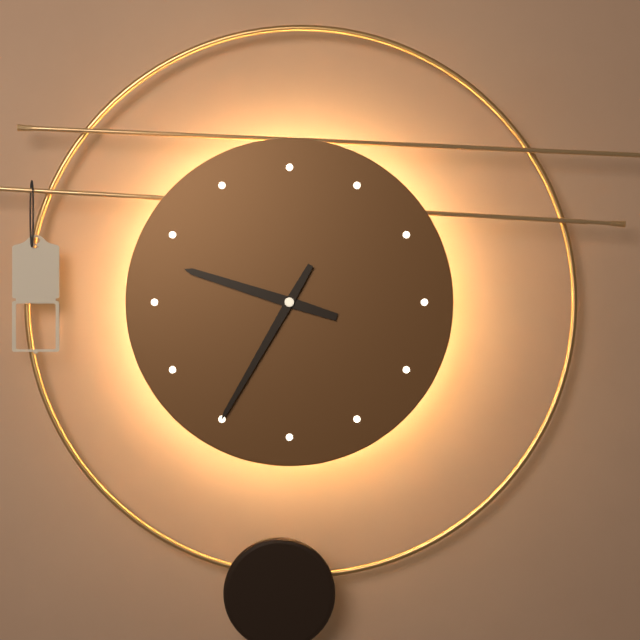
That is 9:35
